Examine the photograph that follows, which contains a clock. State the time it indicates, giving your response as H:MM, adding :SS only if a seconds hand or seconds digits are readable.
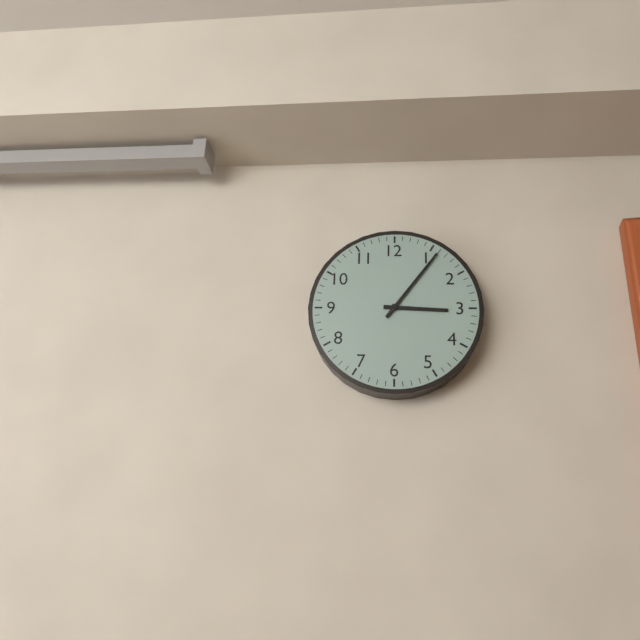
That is 3:06
